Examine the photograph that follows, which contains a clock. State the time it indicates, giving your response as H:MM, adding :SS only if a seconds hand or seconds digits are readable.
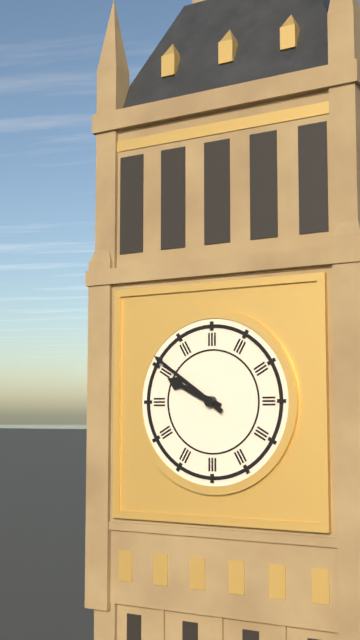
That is 9:51
